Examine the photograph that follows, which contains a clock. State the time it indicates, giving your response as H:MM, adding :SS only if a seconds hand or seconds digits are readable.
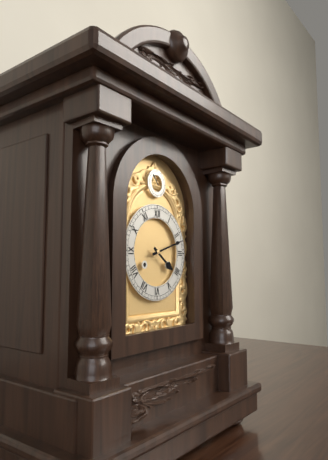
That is 4:12
